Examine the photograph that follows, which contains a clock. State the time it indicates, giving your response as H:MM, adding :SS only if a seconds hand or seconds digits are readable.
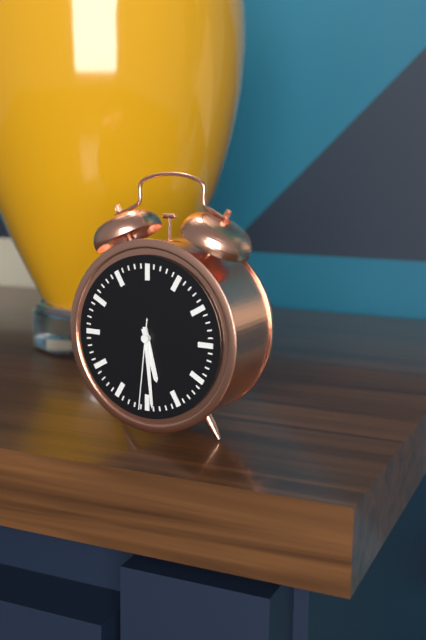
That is 5:29:31
